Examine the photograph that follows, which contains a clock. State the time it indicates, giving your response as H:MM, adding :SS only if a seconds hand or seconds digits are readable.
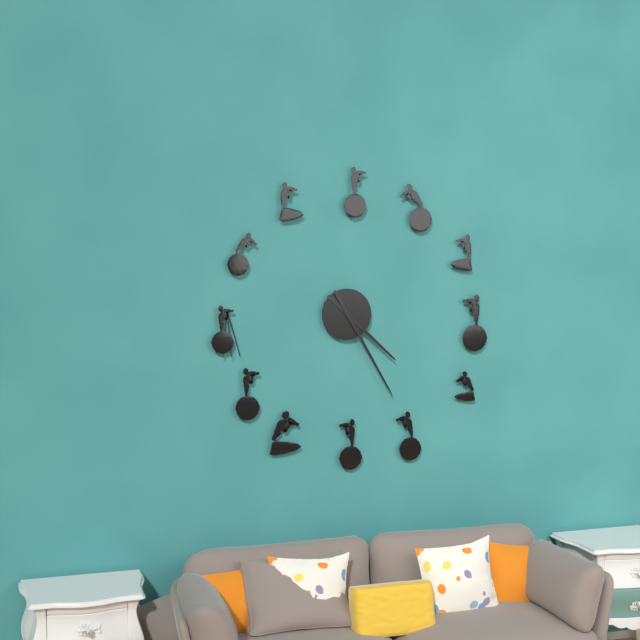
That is 4:25
